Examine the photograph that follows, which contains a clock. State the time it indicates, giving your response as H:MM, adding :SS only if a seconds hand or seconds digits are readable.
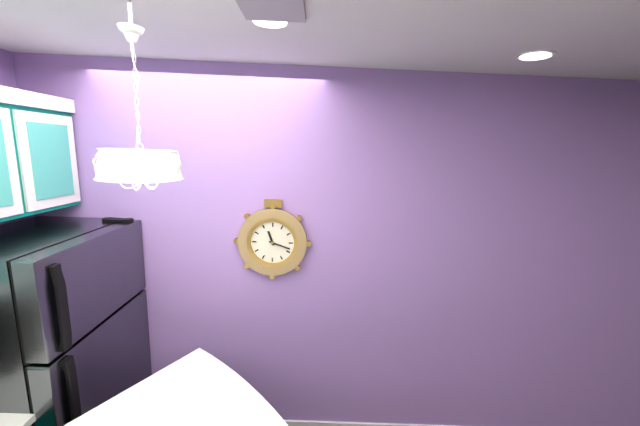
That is 11:18
